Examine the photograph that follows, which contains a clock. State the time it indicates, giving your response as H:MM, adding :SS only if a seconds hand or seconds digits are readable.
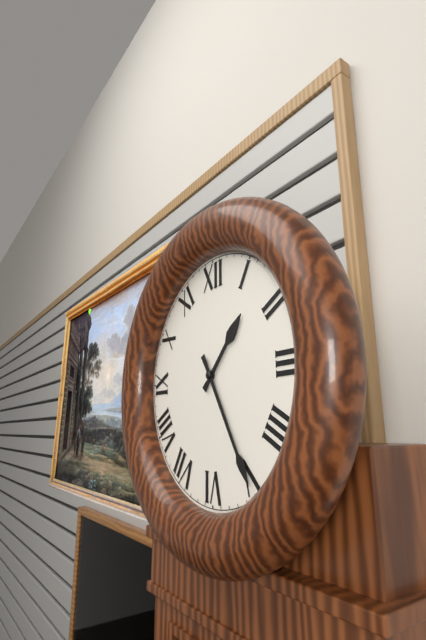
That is 1:25
